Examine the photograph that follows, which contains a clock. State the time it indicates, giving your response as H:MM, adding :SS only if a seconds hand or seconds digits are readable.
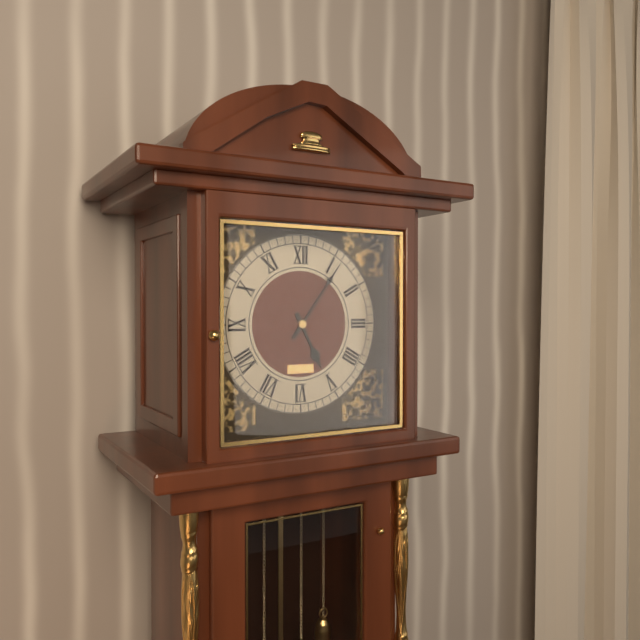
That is 5:06
